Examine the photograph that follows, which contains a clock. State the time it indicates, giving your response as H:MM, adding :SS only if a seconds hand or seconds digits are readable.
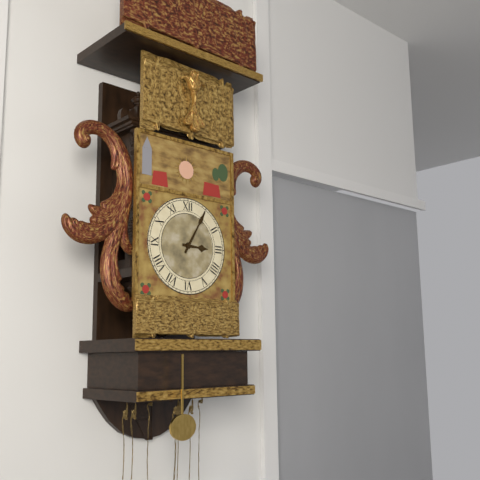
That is 3:05
